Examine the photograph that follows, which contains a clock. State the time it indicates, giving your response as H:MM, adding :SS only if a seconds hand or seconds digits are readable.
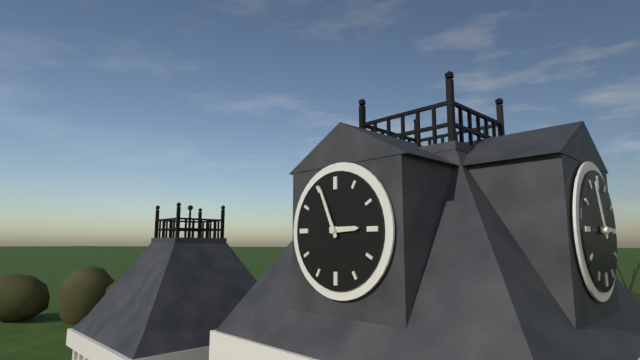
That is 2:56
